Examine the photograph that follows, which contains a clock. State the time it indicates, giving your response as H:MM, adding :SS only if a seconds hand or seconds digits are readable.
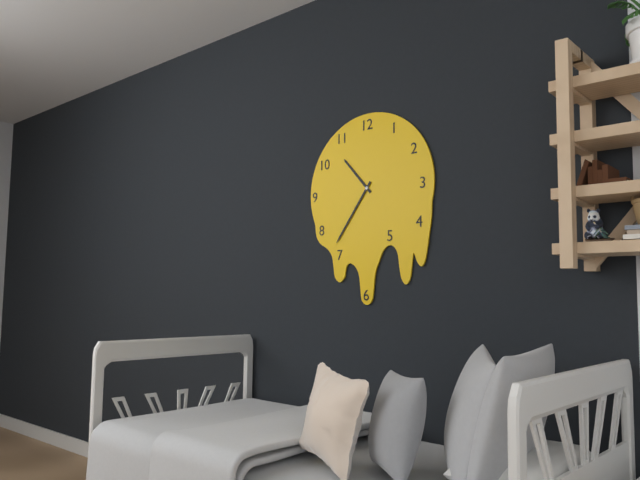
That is 10:36
